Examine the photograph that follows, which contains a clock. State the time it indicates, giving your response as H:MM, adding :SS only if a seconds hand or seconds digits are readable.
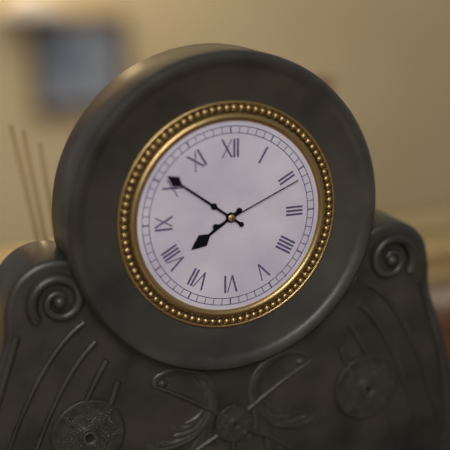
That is 7:51:11
